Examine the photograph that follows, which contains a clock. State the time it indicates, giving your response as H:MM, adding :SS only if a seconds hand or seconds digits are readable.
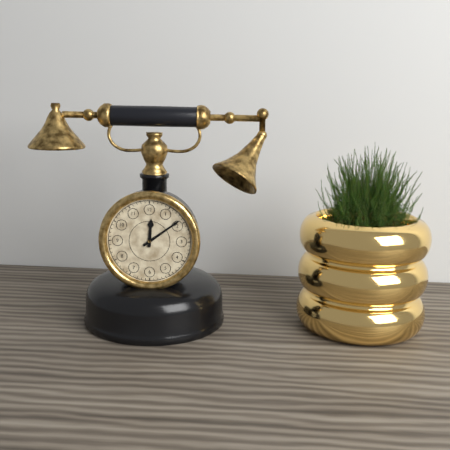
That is 12:09
